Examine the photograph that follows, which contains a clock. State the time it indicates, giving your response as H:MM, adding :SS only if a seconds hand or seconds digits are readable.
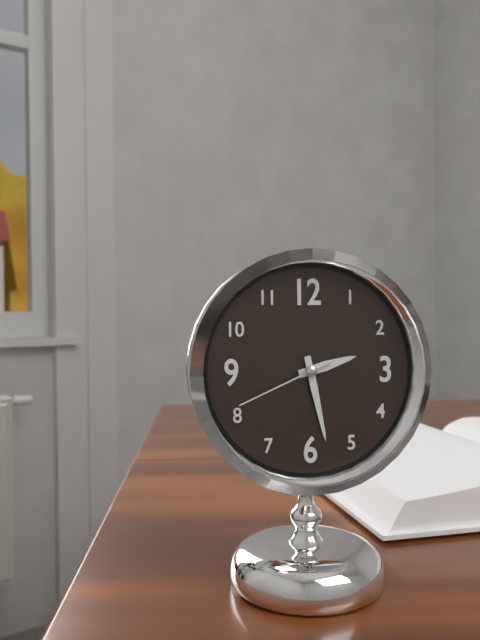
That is 2:28:41
